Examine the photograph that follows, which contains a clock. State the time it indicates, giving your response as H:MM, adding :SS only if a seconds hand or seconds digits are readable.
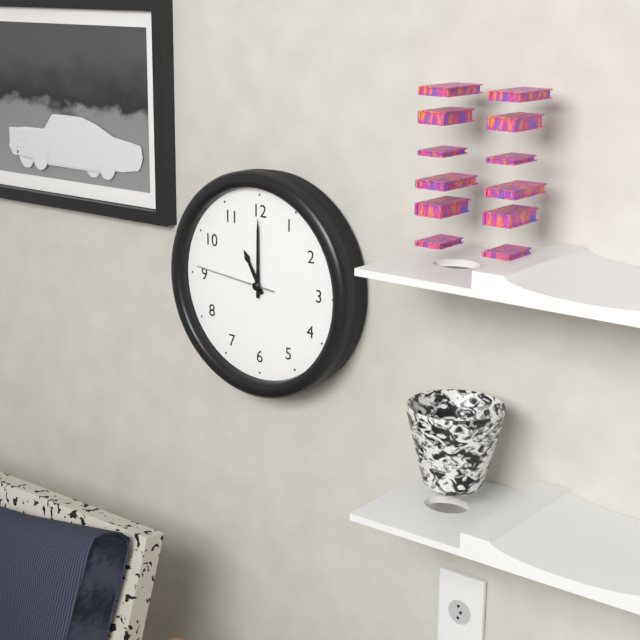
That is 11:00:46
